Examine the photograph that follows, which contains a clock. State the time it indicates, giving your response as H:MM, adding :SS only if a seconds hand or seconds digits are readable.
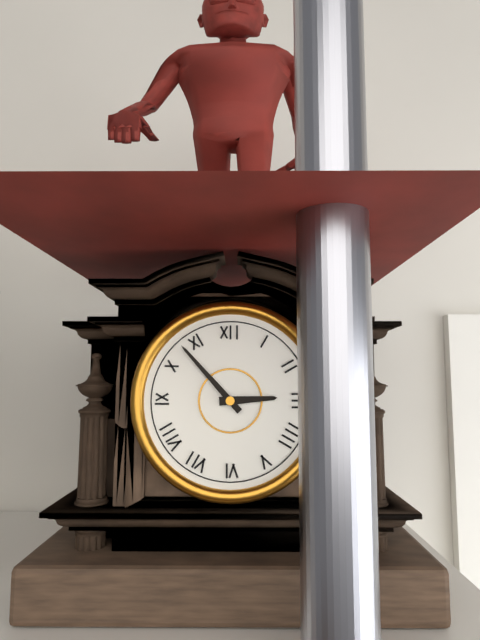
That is 2:53
